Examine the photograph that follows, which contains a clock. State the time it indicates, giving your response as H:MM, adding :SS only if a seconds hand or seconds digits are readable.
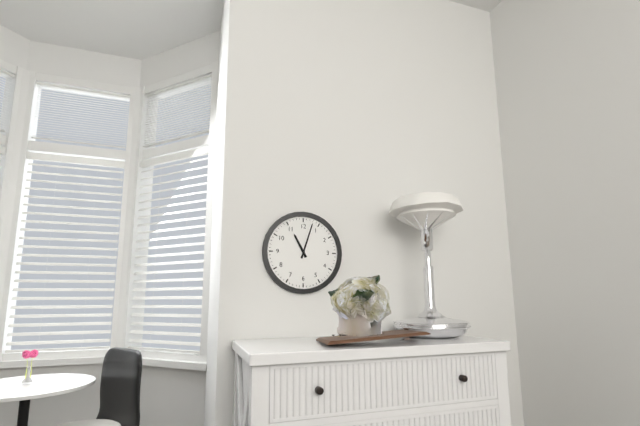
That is 11:03
